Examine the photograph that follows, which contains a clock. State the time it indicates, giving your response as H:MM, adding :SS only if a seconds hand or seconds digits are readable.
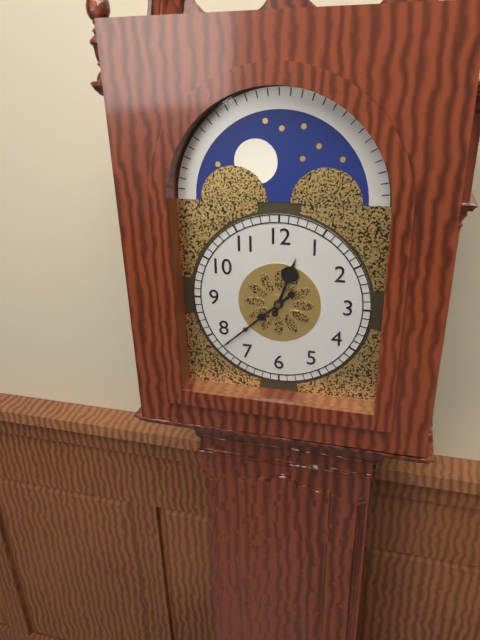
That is 12:38
